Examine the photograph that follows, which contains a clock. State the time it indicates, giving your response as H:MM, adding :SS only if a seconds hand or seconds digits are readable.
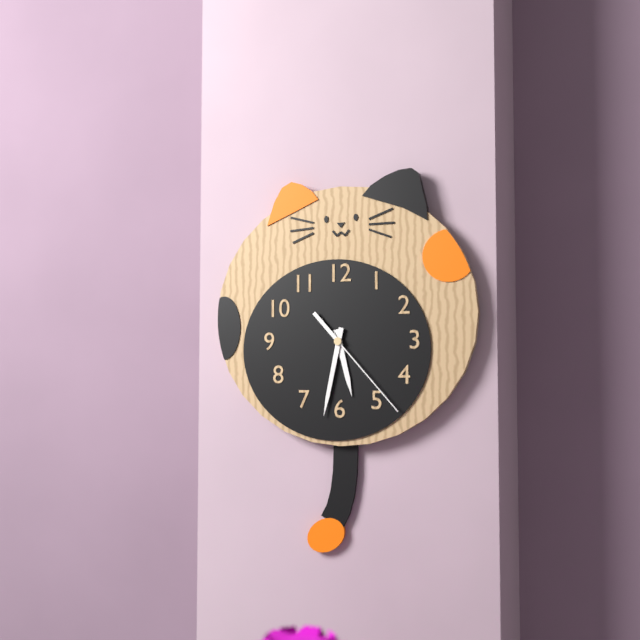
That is 5:32:23
